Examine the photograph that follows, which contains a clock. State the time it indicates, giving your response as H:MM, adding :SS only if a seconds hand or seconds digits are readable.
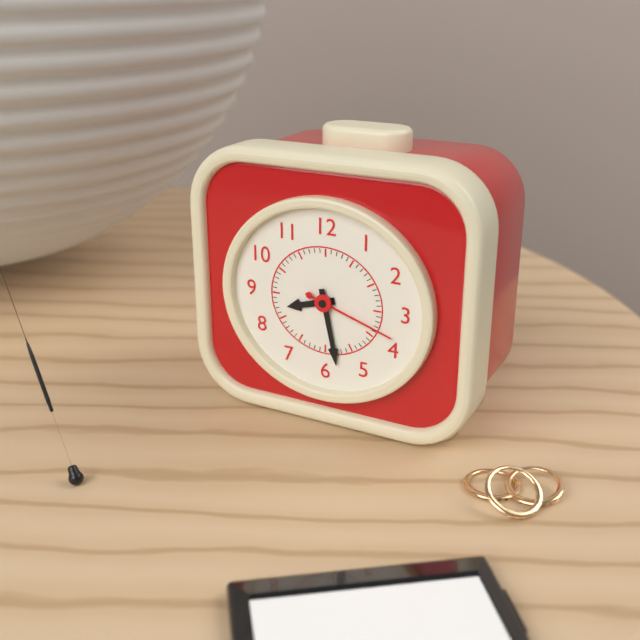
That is 8:28:18
